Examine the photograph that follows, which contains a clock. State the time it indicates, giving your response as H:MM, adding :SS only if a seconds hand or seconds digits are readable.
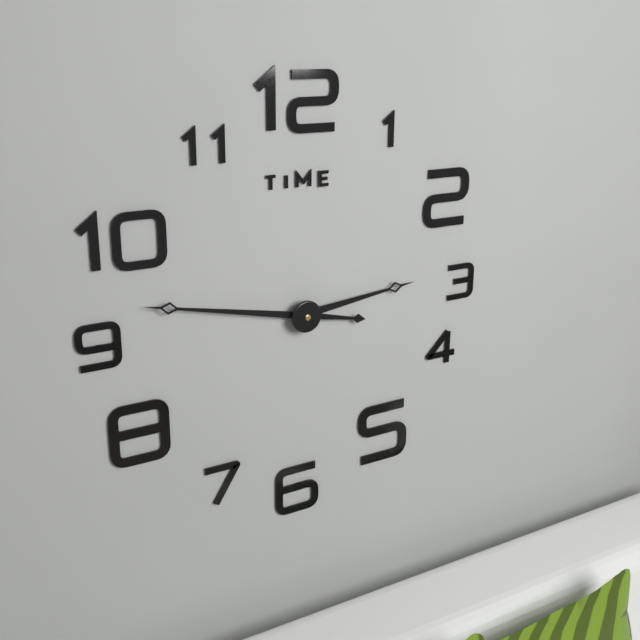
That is 2:47
